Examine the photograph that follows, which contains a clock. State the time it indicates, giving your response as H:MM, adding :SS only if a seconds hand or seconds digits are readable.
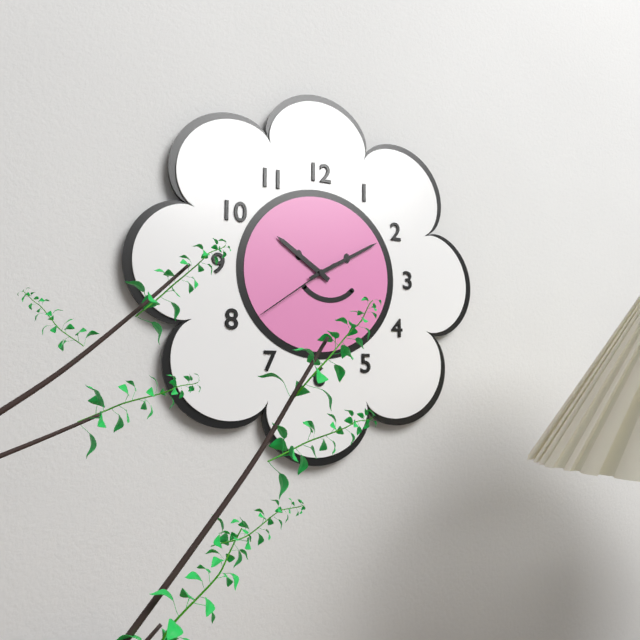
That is 10:10:39
